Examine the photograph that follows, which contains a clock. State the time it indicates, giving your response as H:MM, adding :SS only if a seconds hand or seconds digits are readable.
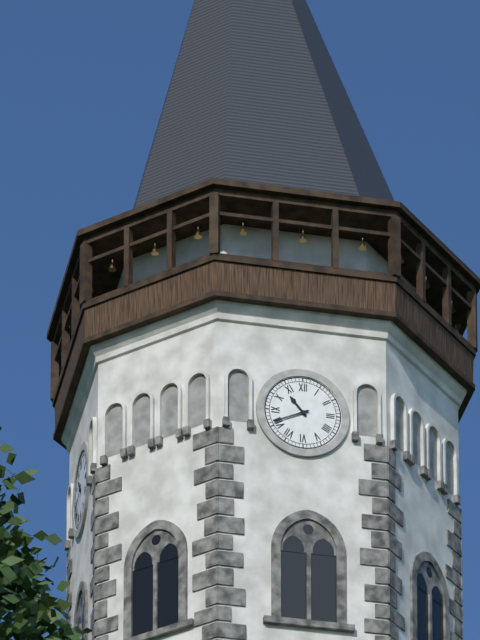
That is 10:41
